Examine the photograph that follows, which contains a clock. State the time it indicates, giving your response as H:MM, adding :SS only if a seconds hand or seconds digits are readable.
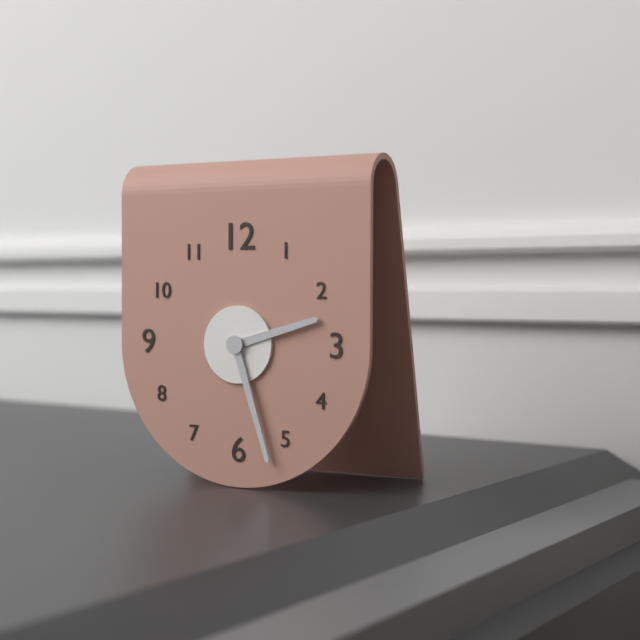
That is 2:27
